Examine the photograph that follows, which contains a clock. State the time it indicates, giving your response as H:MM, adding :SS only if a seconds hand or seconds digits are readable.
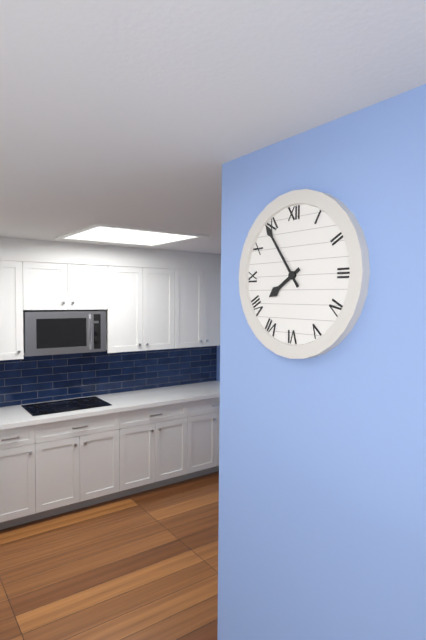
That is 7:54
